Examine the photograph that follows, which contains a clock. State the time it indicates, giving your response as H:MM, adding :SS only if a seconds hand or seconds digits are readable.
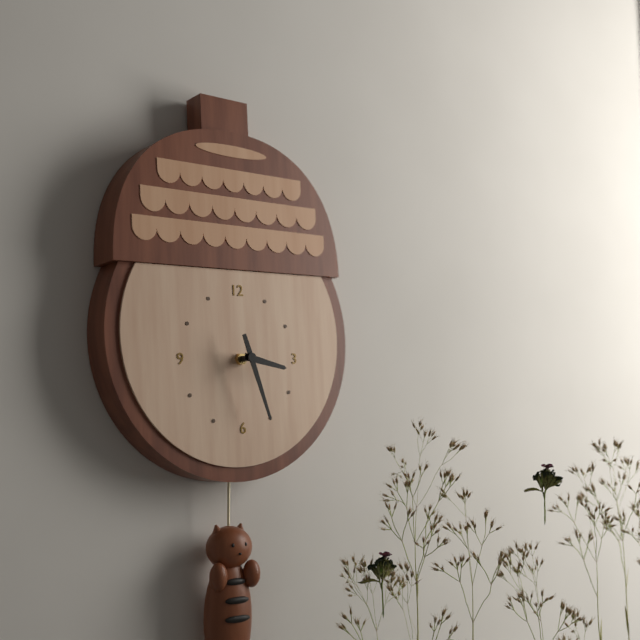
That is 3:27
